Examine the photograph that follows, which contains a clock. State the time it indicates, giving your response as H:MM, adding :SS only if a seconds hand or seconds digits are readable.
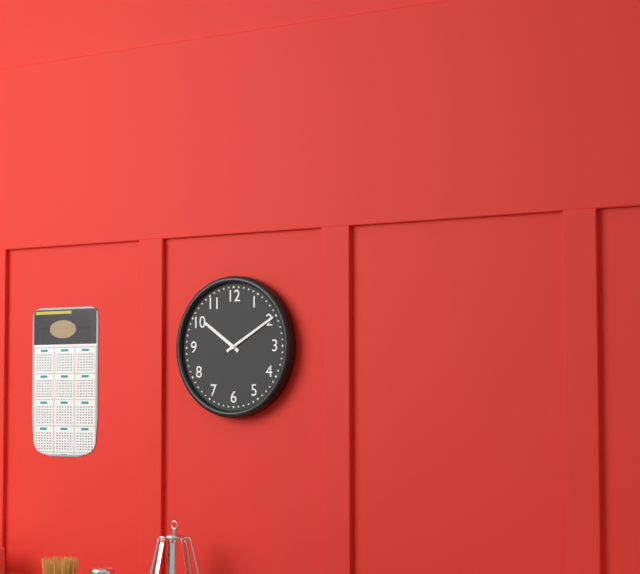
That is 10:10
